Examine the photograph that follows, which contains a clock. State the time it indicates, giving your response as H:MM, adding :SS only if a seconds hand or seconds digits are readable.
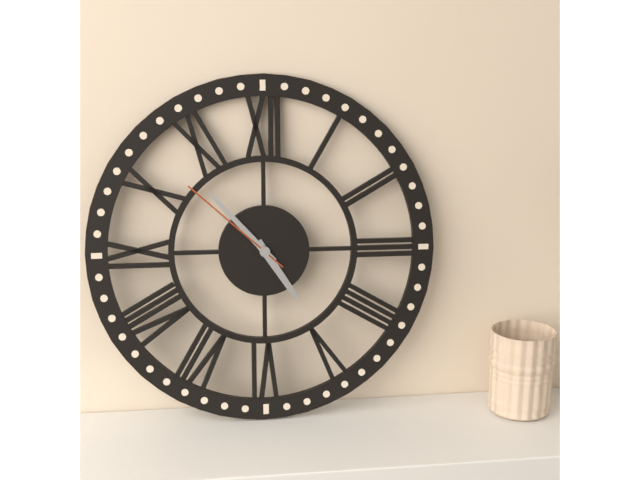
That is 4:53:52
